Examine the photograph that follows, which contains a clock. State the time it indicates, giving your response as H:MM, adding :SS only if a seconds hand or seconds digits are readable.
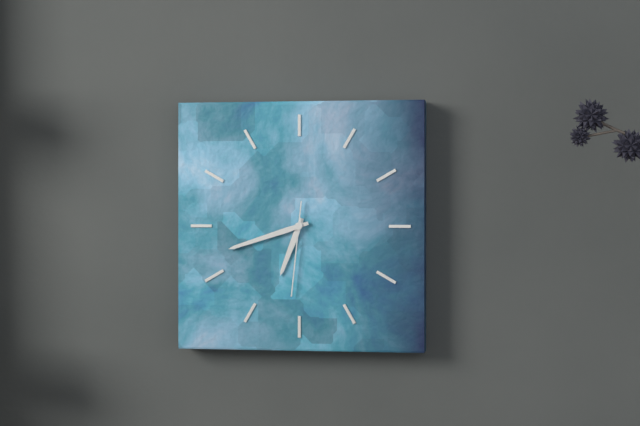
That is 6:42:31
